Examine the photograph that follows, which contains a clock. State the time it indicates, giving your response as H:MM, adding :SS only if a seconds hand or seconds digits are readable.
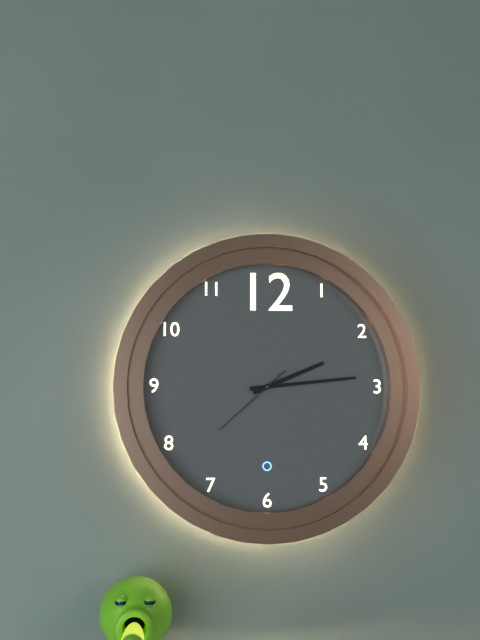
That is 2:14:38
